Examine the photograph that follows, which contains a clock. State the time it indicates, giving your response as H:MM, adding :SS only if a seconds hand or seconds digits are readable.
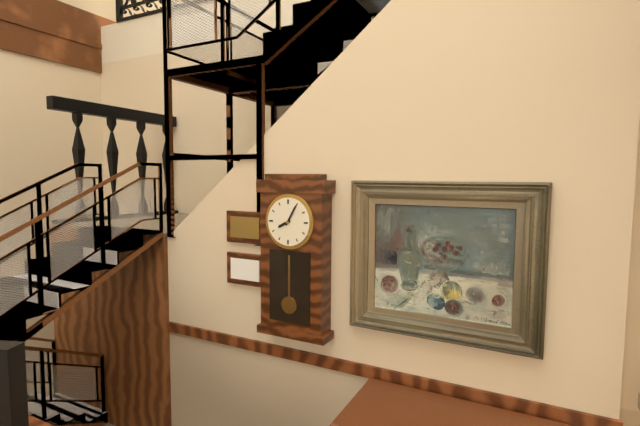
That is 8:05
